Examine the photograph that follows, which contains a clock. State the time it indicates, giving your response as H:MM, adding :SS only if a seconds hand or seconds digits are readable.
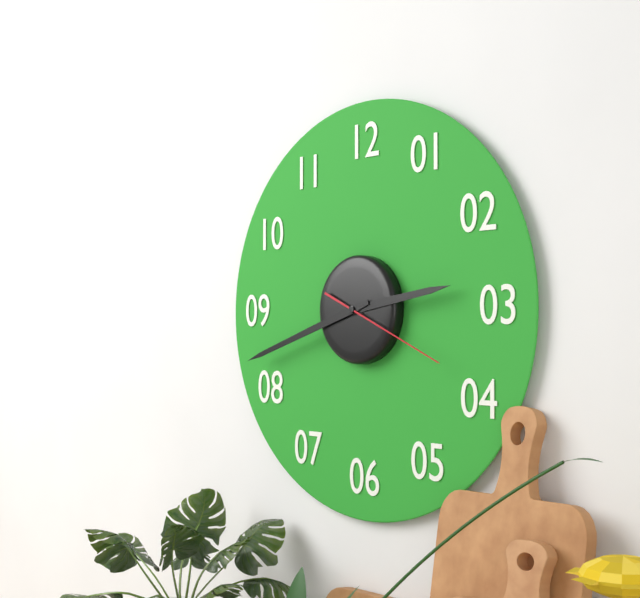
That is 2:42:19
